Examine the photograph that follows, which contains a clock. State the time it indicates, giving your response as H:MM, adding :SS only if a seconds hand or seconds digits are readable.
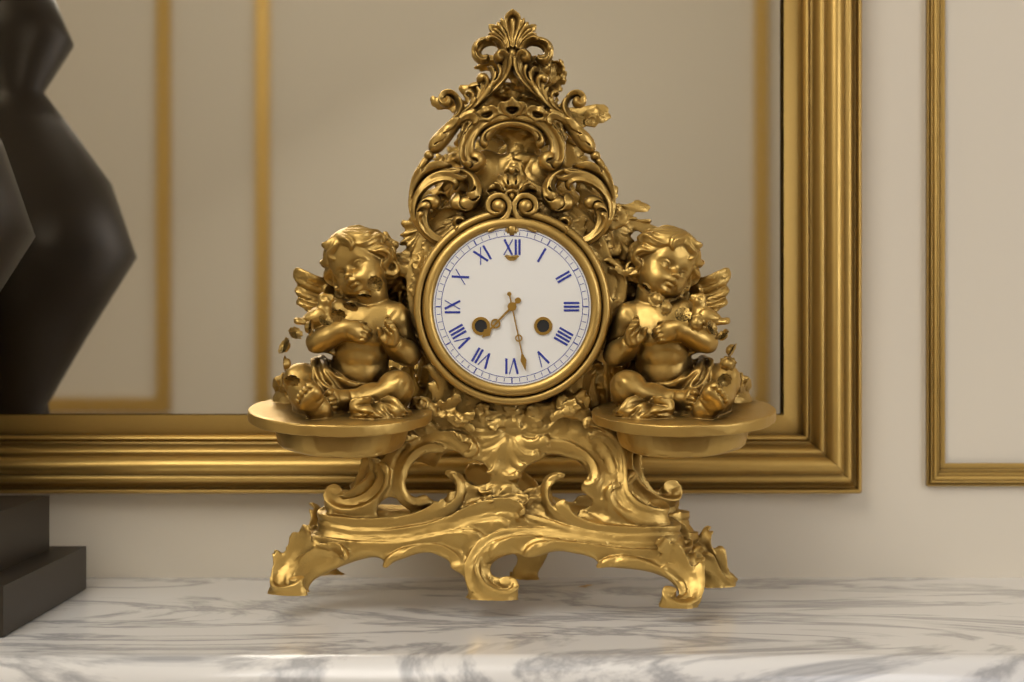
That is 7:28
